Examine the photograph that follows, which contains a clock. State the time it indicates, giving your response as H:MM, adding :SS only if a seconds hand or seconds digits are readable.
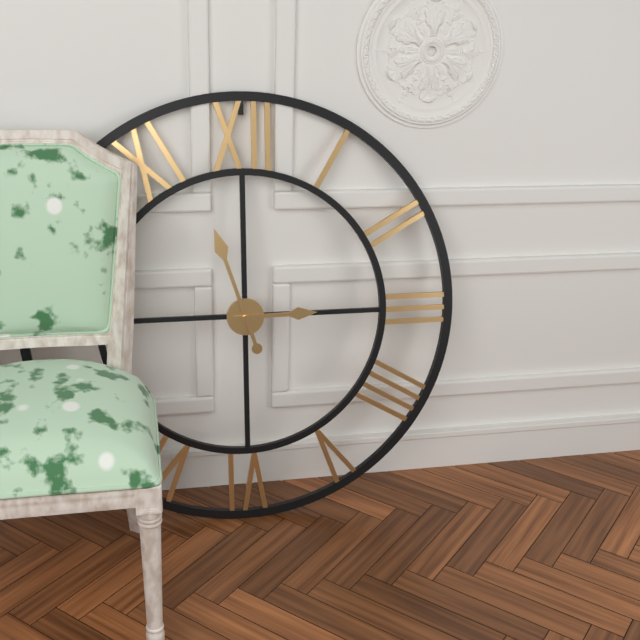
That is 2:57
